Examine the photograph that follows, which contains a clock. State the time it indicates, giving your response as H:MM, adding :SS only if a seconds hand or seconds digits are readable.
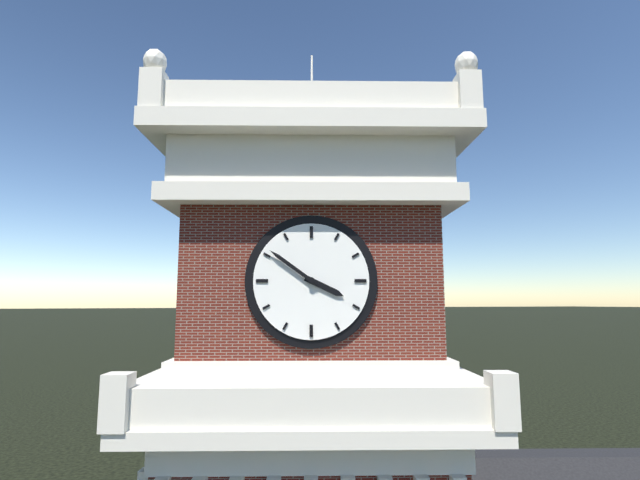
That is 3:51
